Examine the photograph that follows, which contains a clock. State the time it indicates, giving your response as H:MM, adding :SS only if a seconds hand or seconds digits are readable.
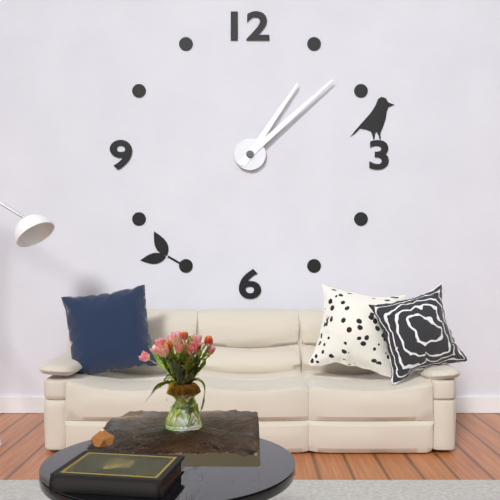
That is 1:08
